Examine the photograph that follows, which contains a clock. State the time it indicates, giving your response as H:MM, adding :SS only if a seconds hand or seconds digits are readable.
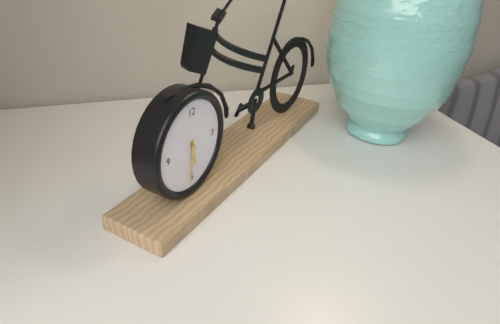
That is 5:31
